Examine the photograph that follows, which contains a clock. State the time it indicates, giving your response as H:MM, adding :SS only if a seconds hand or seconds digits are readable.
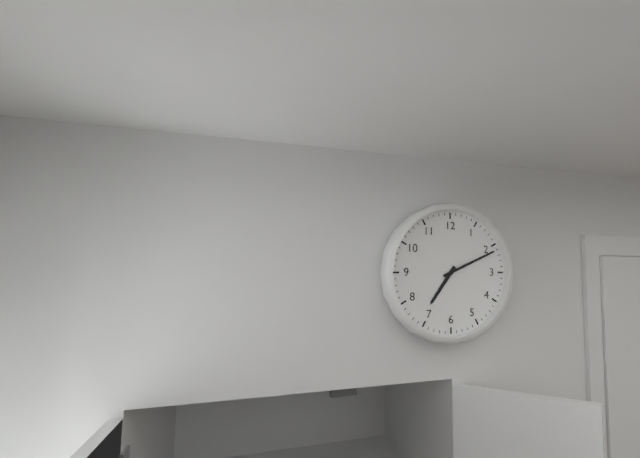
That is 7:11
